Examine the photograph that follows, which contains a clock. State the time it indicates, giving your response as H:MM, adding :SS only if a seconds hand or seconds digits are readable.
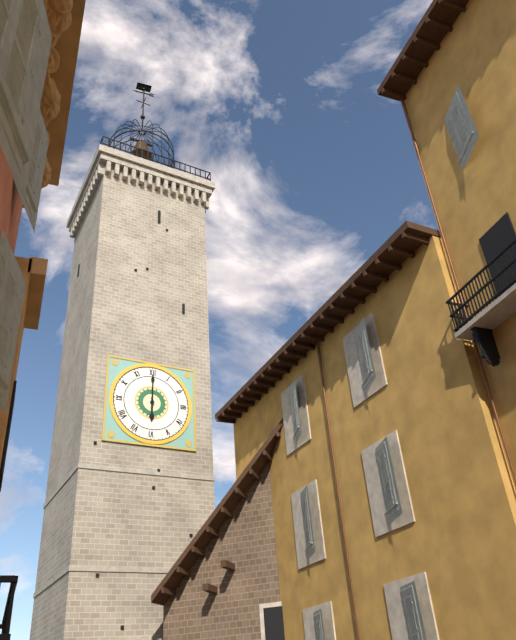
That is 6:00
